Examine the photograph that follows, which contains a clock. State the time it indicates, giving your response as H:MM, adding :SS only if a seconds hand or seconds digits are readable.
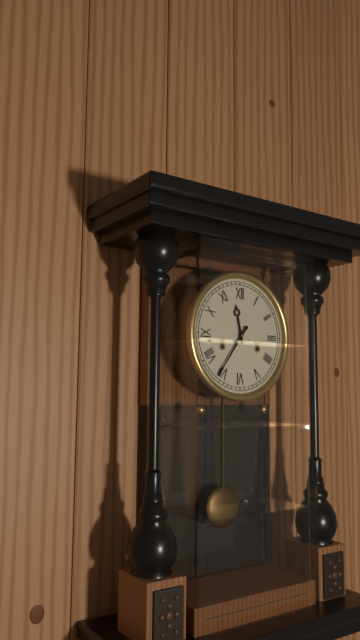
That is 11:36
